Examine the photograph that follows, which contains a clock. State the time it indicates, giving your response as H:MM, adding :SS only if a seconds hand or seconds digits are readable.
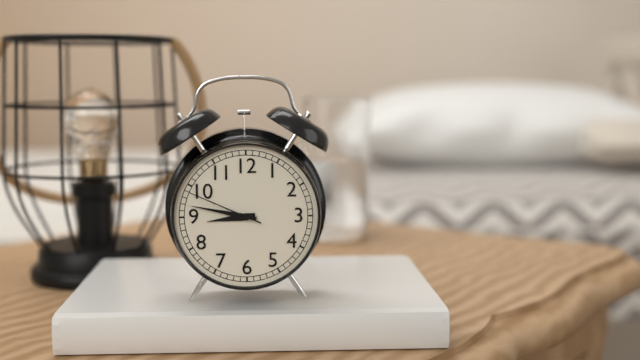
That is 8:47:49
